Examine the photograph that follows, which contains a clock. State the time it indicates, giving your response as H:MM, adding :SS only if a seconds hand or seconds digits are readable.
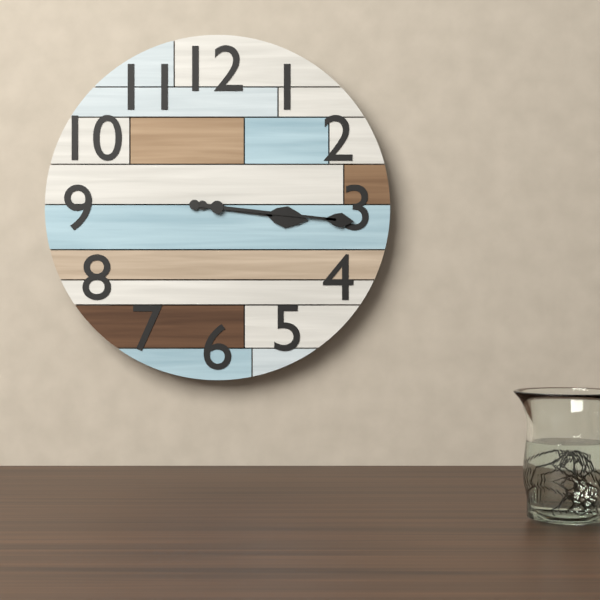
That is 3:16
